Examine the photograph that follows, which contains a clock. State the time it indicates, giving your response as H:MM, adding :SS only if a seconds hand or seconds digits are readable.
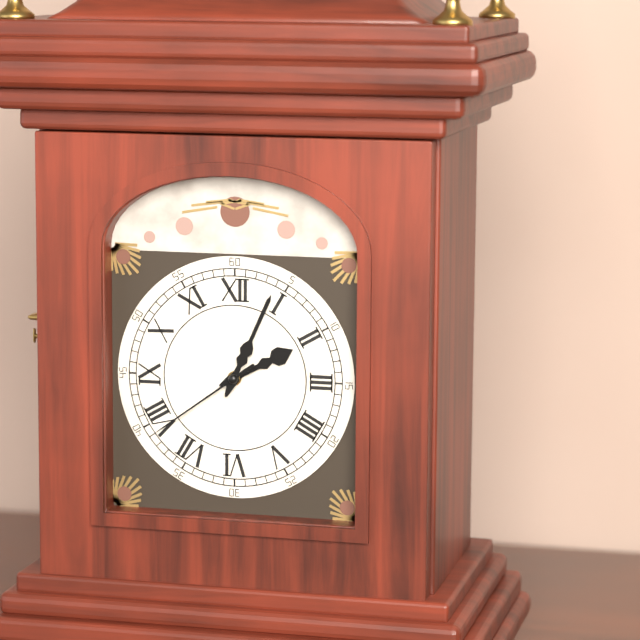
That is 2:04:39
